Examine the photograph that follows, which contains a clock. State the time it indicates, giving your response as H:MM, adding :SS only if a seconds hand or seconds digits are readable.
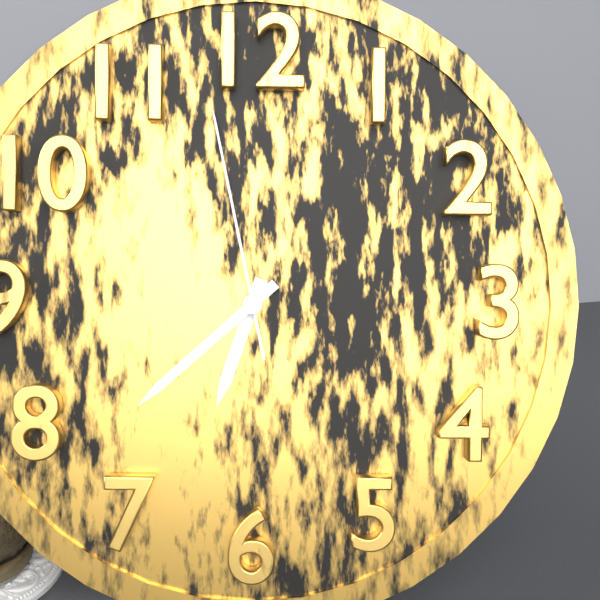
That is 6:38:58
